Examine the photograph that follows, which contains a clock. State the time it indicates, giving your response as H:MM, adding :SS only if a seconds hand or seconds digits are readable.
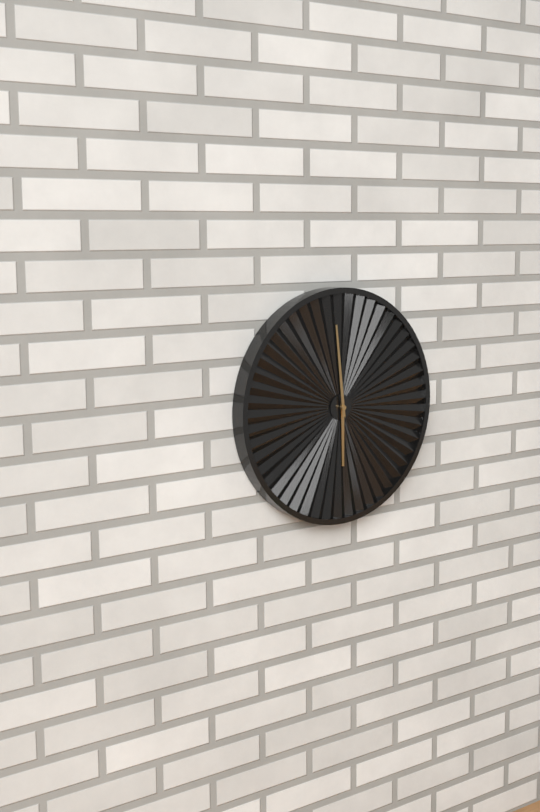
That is 5:59
